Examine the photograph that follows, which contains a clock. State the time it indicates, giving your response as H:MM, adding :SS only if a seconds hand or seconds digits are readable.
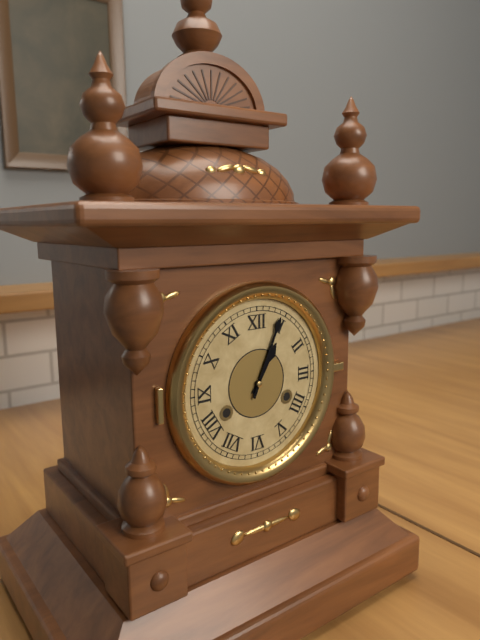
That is 1:04
